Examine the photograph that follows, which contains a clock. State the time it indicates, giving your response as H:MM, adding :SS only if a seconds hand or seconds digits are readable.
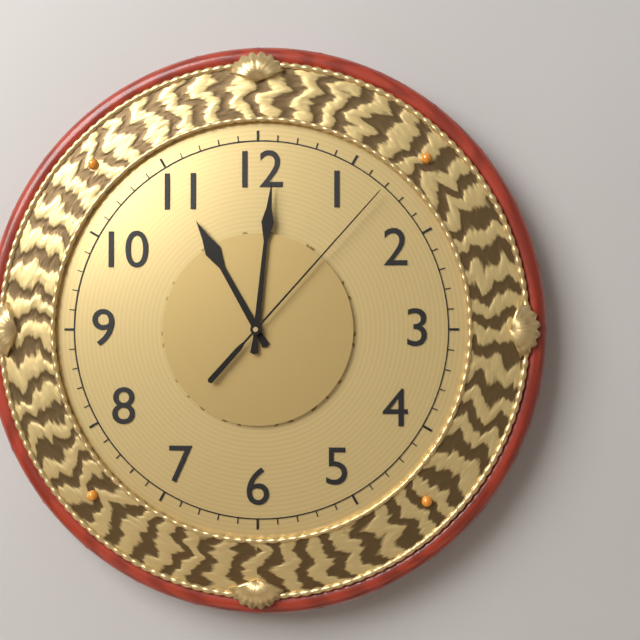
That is 11:01:07
